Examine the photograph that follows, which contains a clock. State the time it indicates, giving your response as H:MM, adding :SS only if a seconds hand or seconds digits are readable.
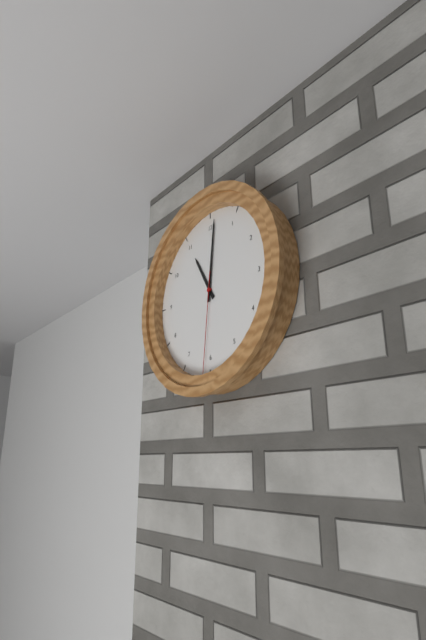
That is 11:01:31
